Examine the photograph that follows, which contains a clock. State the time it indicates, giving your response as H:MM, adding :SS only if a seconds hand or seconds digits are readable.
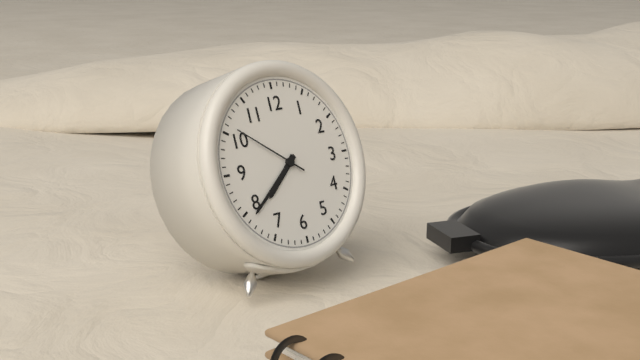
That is 7:39:51
